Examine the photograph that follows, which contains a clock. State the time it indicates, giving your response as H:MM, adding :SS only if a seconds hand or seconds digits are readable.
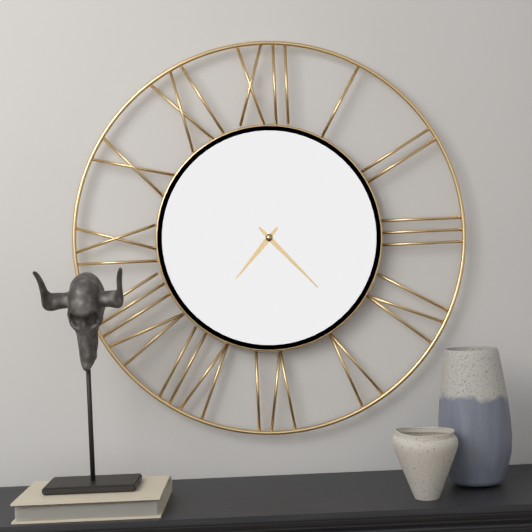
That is 7:23
